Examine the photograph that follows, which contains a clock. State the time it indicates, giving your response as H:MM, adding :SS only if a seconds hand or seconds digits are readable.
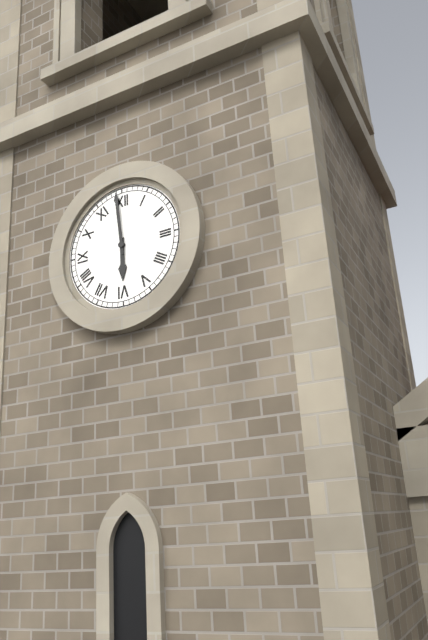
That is 5:59
